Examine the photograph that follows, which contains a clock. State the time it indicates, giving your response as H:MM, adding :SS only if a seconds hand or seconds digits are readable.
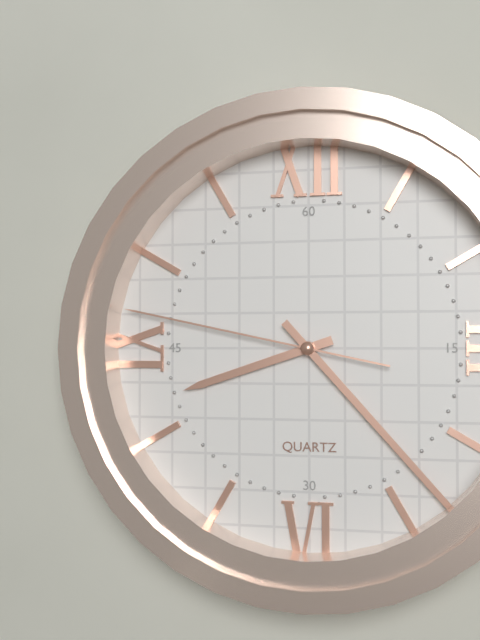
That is 8:23:47
